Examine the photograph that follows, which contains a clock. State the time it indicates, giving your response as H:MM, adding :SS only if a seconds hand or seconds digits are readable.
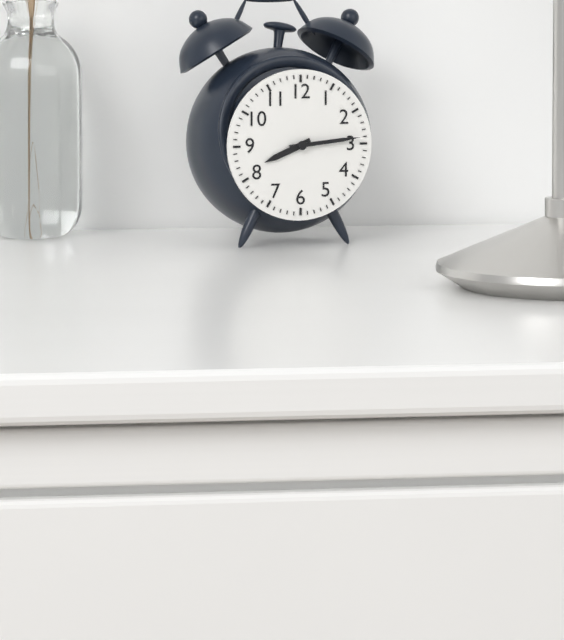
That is 8:14
